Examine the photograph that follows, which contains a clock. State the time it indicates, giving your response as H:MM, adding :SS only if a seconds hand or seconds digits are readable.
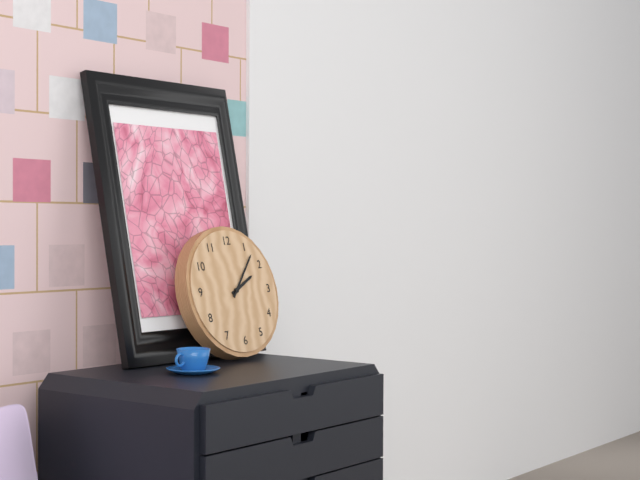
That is 2:07
